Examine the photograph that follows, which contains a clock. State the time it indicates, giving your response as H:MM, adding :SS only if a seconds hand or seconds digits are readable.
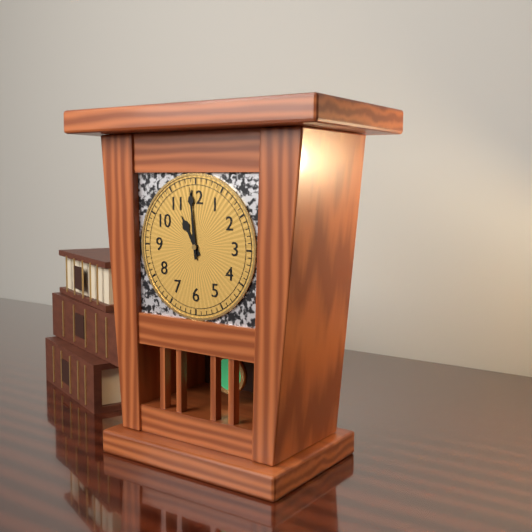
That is 10:59
